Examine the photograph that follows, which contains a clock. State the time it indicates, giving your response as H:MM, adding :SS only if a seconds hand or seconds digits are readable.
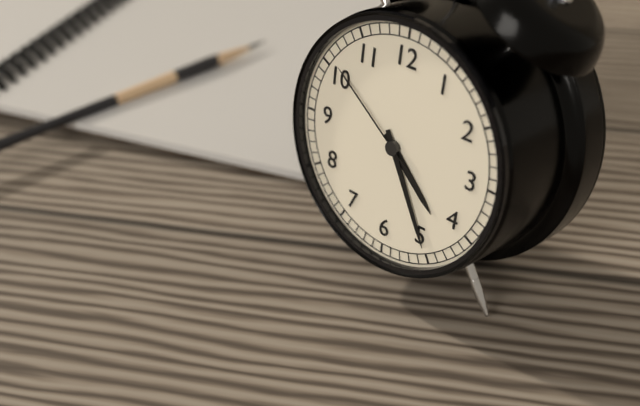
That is 4:25:51
